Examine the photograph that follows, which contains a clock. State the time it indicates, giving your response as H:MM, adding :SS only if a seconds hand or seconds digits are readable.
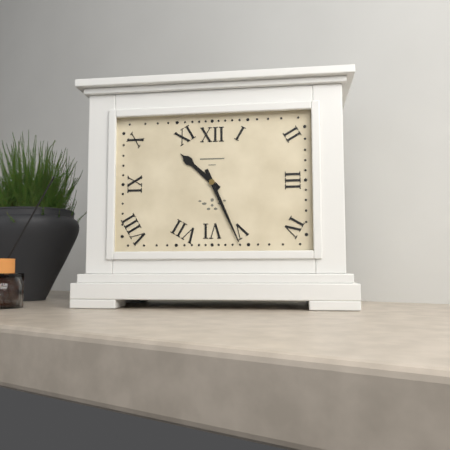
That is 10:26
